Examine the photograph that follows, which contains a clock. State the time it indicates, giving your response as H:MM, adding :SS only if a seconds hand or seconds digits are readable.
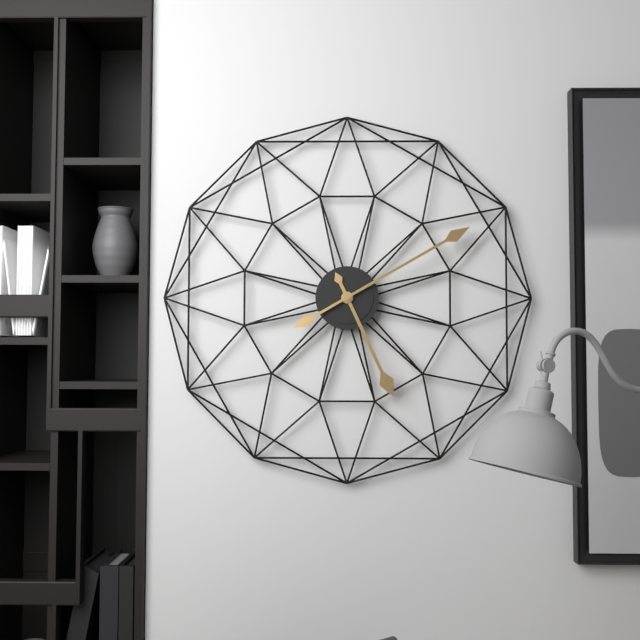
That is 5:10
